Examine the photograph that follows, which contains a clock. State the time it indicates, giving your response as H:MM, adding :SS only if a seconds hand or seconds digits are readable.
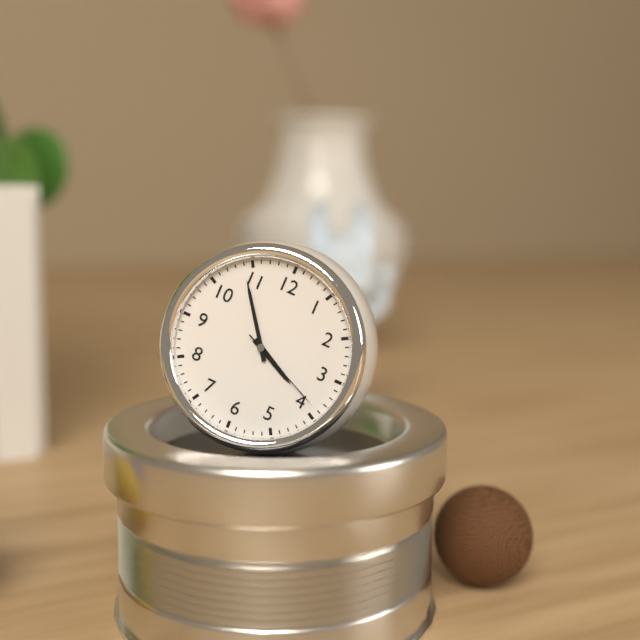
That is 3:54:19
